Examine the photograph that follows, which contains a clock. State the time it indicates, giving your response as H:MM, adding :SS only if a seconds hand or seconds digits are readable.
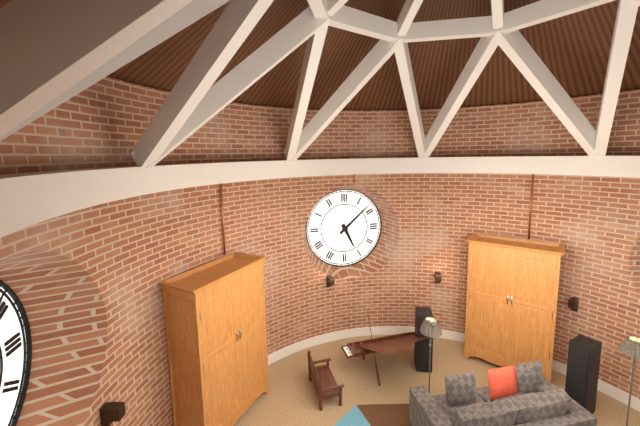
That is 5:08
